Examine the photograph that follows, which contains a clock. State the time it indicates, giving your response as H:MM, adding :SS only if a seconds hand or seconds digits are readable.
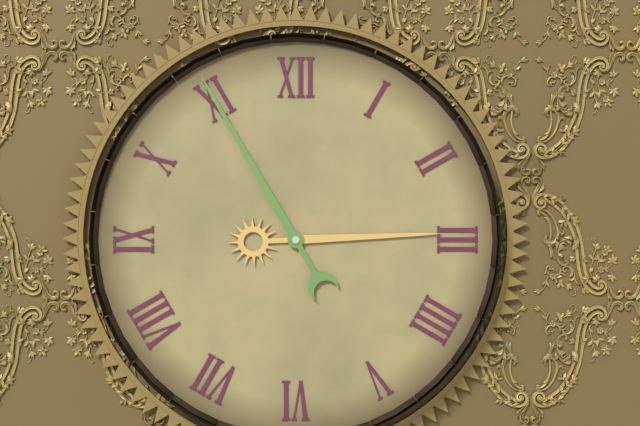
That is 2:55
